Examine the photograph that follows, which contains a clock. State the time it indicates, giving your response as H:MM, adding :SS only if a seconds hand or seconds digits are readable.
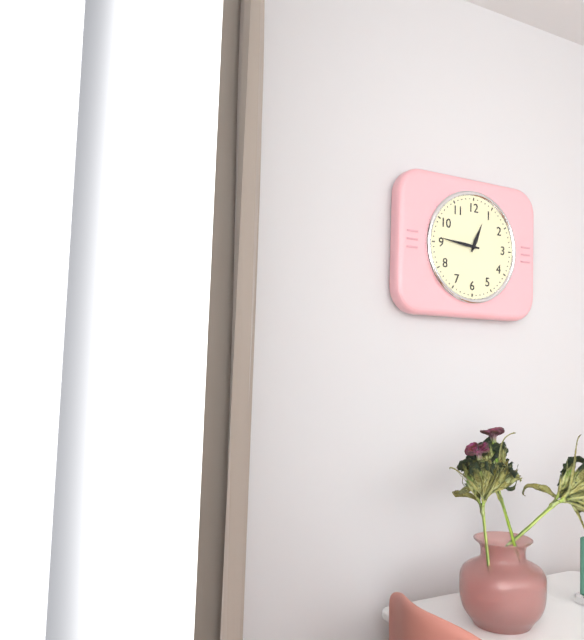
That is 12:46
